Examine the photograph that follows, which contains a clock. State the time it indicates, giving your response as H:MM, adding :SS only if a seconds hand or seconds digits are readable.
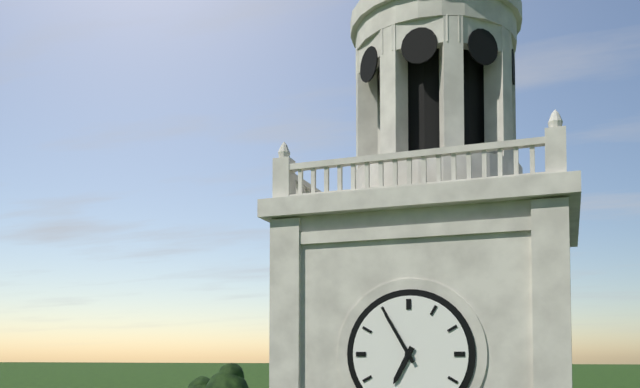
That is 6:55
